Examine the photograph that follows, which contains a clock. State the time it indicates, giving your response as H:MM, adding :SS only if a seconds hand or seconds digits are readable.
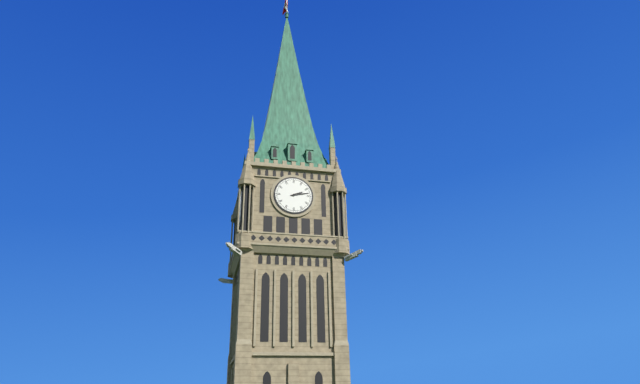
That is 2:13
